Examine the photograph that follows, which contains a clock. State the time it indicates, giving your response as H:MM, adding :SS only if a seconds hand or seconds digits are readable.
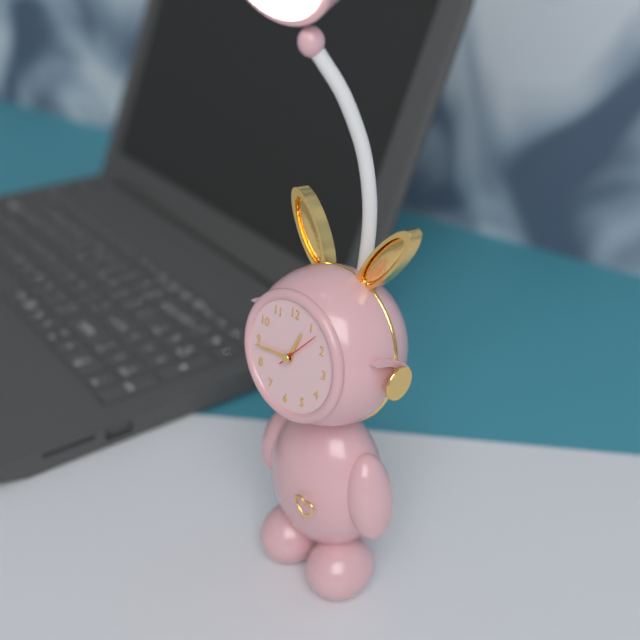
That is 12:44
